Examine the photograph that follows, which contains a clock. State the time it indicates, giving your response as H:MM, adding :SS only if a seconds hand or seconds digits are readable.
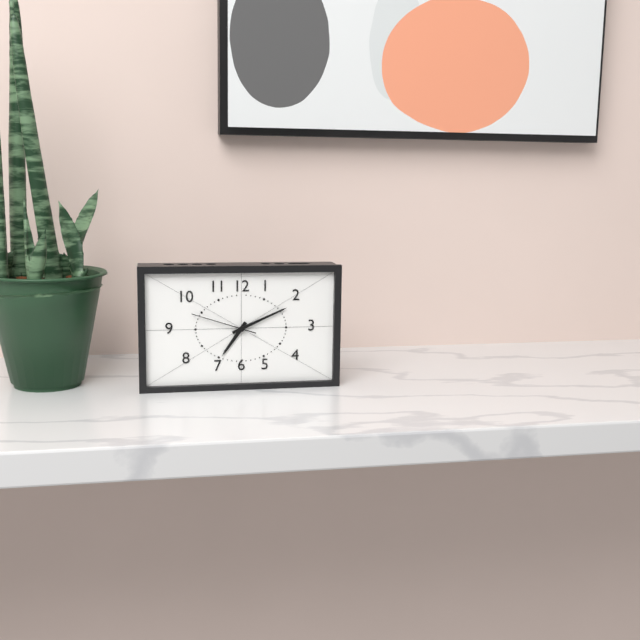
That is 7:11:48
